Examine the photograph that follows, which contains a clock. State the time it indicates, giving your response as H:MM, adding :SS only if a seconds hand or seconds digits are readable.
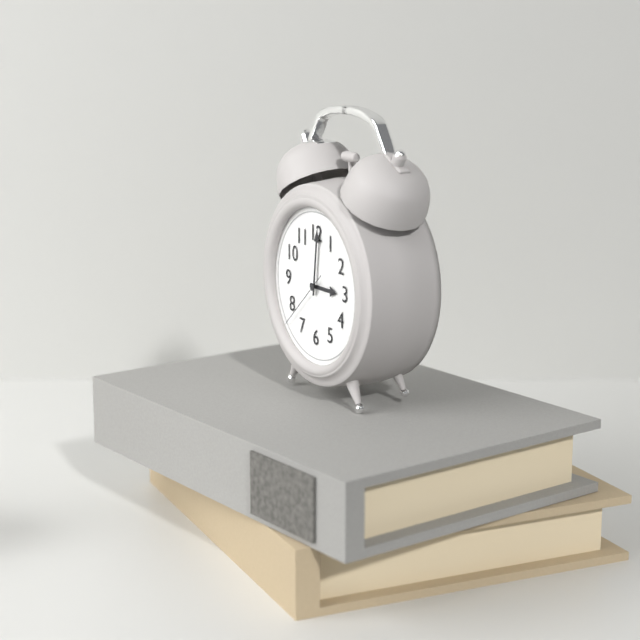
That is 3:01:38
